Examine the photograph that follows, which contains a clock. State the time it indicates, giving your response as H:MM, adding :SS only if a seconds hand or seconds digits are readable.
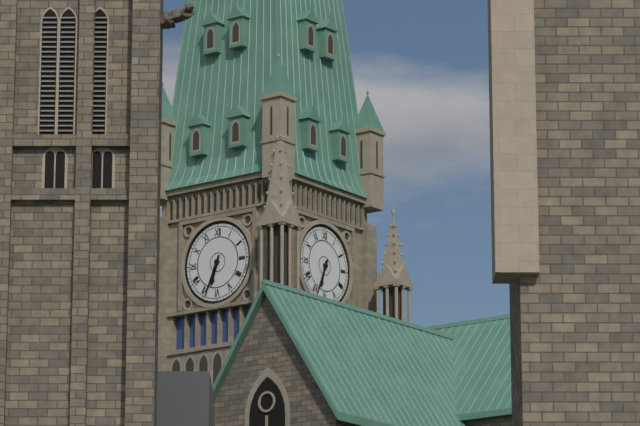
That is 6:34
